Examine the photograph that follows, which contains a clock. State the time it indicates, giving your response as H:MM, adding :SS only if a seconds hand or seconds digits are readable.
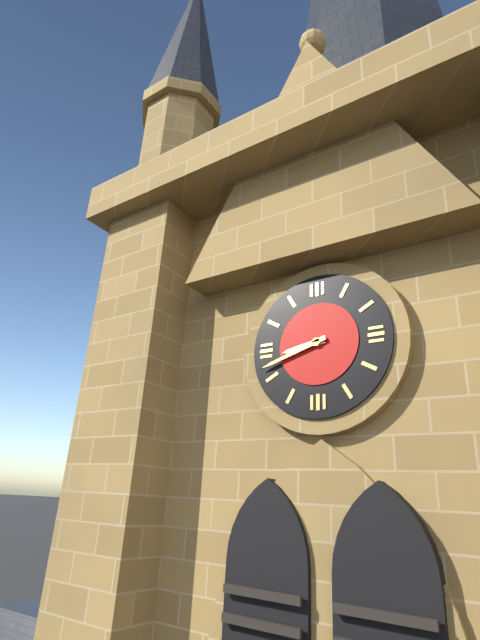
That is 8:42
